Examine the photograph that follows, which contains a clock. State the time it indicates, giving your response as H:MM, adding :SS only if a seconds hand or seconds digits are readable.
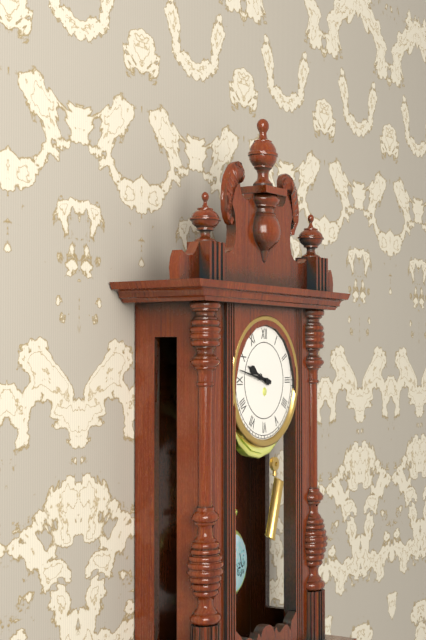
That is 9:47
